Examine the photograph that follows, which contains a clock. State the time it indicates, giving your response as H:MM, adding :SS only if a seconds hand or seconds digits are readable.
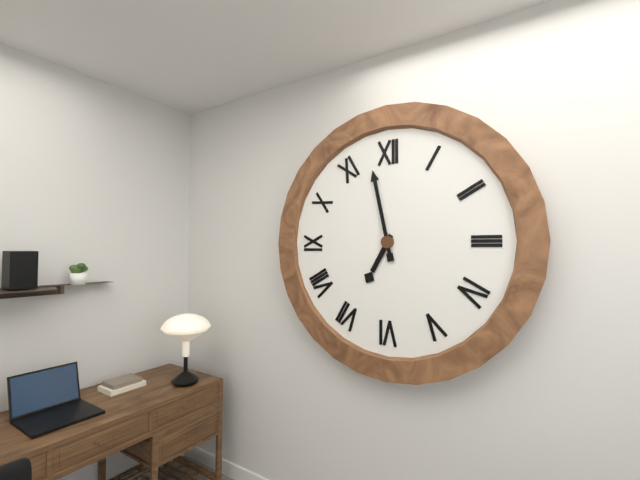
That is 6:58
